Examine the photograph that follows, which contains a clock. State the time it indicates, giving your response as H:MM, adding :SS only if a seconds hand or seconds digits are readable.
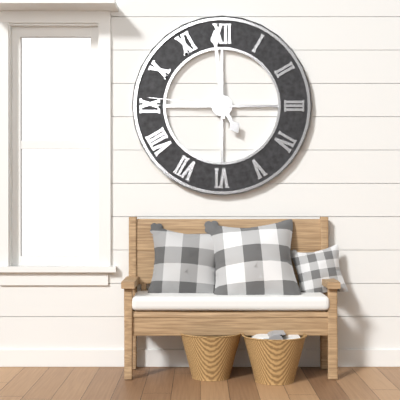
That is 4:59:46
